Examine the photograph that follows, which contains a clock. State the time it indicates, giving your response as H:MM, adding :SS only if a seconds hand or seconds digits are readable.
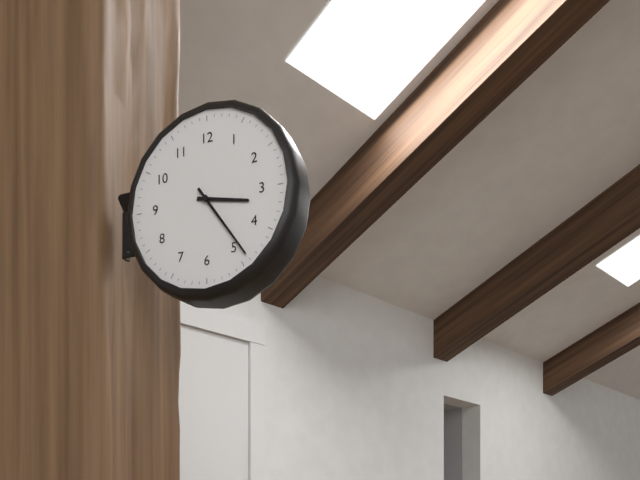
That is 3:24
